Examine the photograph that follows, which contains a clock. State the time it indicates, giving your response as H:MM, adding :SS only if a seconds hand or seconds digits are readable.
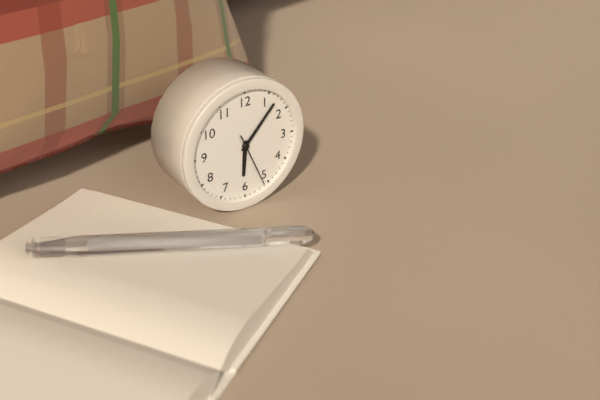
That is 6:07:26
